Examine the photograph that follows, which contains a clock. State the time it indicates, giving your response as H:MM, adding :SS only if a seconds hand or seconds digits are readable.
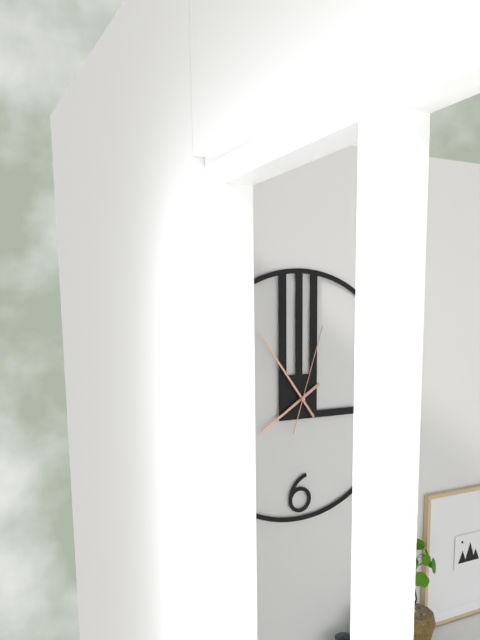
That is 7:54:03
